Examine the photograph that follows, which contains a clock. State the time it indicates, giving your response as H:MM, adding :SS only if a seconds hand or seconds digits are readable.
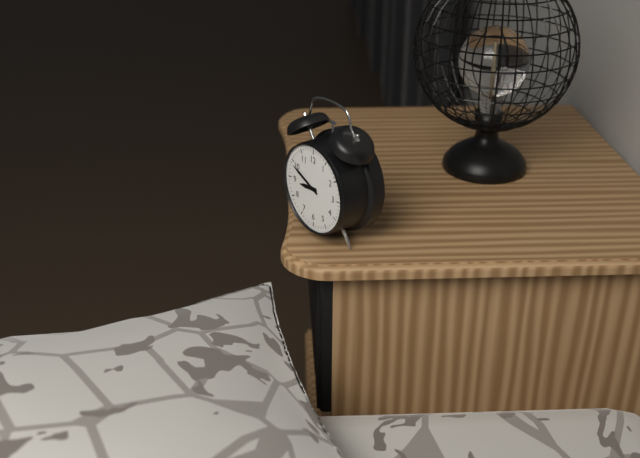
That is 8:49
